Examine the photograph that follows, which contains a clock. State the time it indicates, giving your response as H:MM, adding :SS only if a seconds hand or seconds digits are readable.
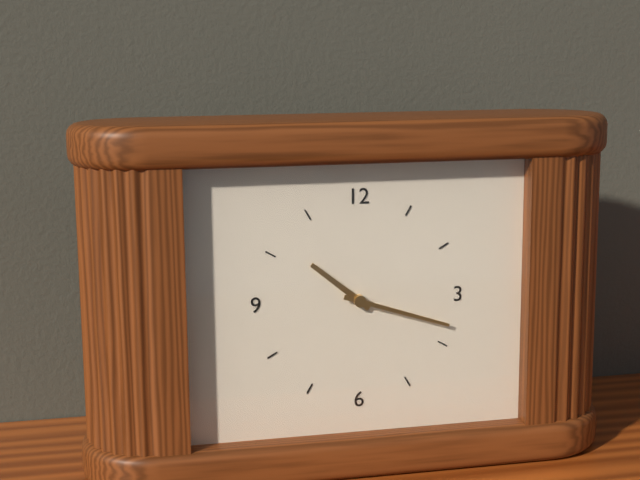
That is 10:18
